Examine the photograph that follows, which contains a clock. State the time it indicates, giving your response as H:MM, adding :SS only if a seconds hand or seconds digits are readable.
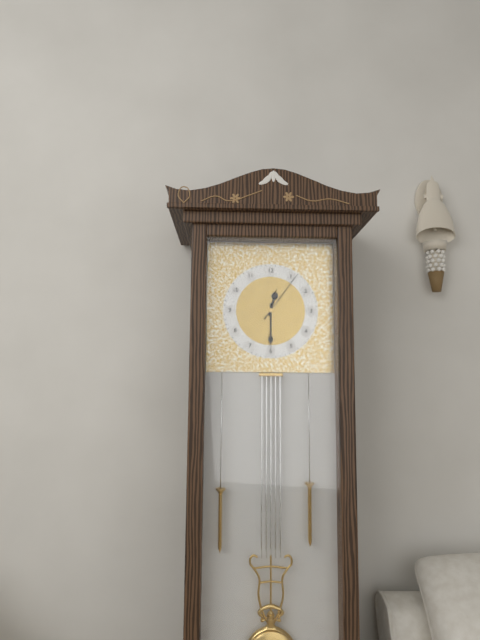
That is 12:30:06
